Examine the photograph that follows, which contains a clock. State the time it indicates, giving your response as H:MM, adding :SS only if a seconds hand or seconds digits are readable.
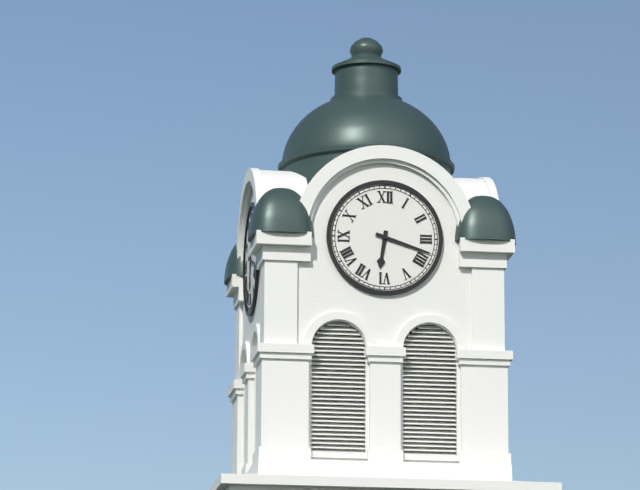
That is 6:18
